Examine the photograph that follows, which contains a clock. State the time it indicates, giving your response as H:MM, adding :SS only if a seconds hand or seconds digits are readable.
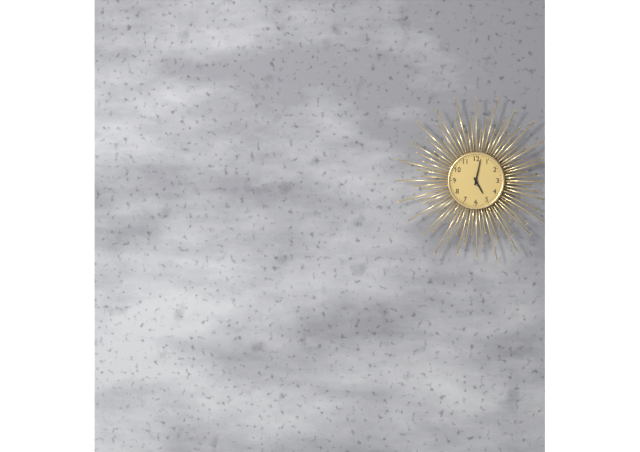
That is 5:02
